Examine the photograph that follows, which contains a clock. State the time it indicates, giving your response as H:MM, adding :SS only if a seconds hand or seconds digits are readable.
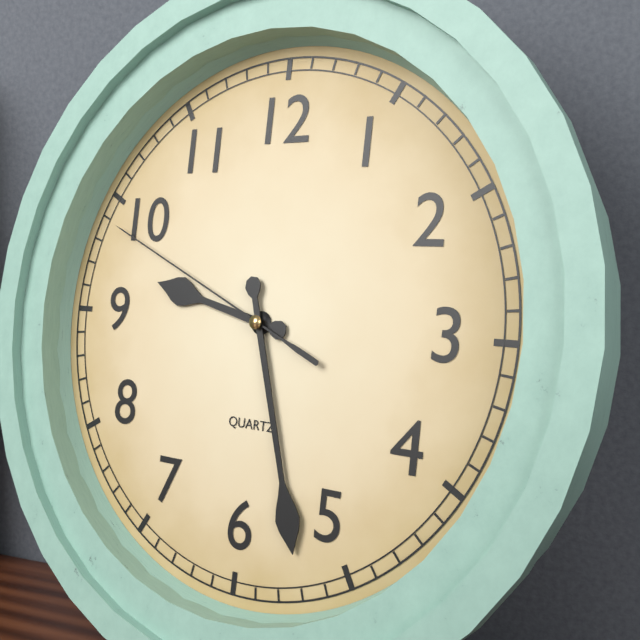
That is 9:27:49
